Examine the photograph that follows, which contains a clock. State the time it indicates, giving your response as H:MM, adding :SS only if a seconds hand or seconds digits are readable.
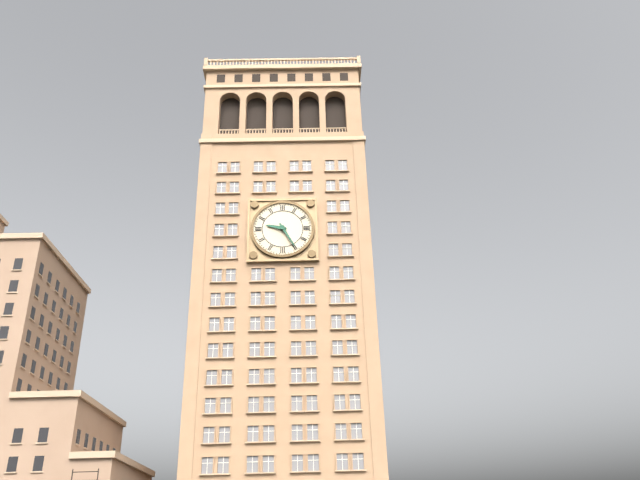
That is 9:25
